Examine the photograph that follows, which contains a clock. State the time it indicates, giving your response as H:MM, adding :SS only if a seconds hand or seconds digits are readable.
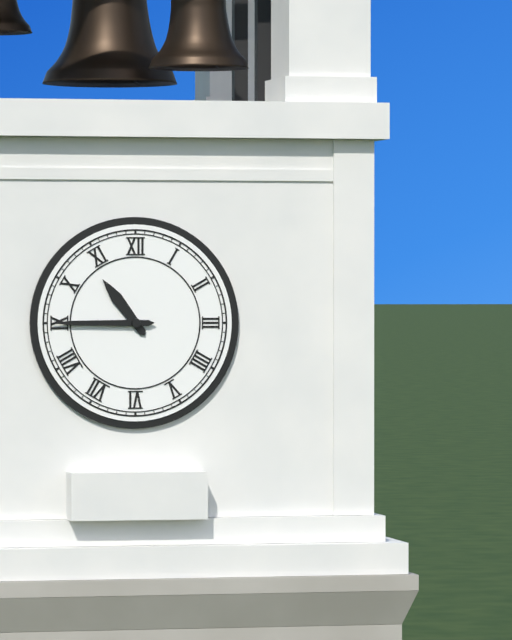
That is 10:45
